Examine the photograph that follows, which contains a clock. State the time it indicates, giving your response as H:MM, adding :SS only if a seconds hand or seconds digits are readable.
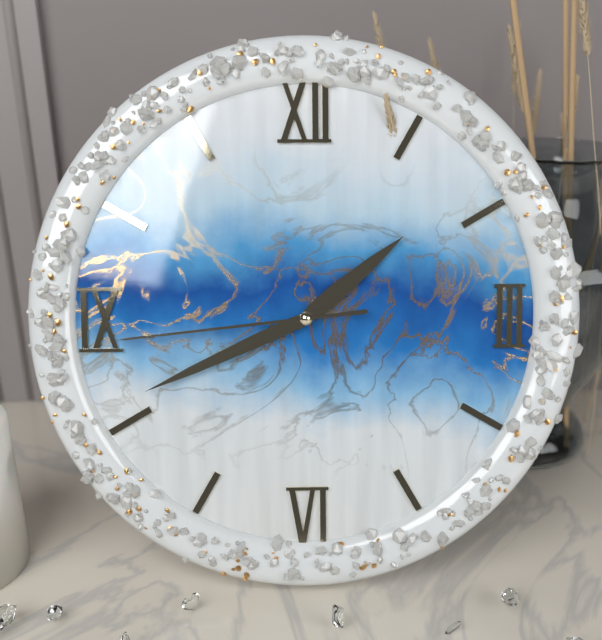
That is 1:41:44
